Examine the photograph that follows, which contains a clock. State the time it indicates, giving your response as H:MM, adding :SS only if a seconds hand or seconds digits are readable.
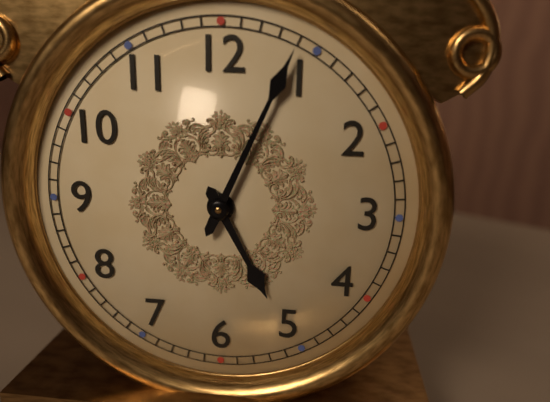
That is 5:04
